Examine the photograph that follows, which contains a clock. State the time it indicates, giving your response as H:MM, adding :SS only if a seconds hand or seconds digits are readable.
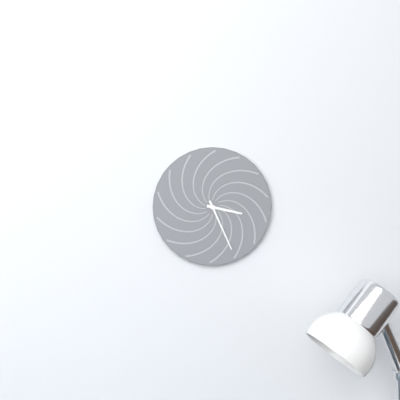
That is 3:26
